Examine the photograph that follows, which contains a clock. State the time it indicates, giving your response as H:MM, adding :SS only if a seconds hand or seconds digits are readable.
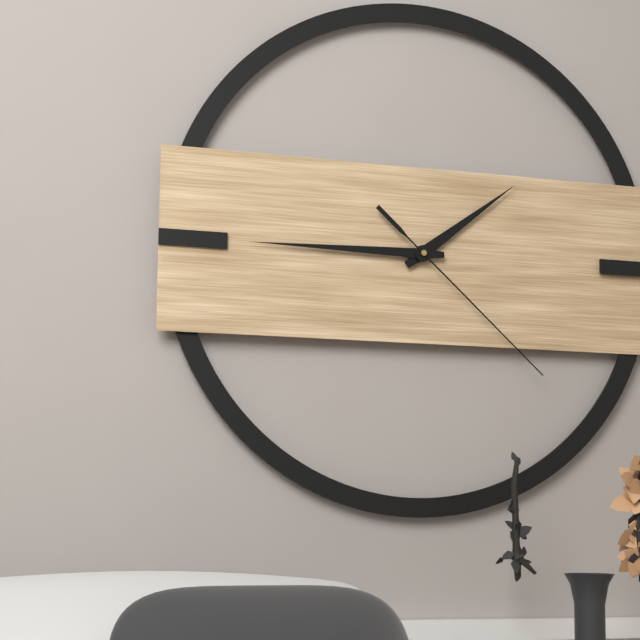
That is 1:45:22
